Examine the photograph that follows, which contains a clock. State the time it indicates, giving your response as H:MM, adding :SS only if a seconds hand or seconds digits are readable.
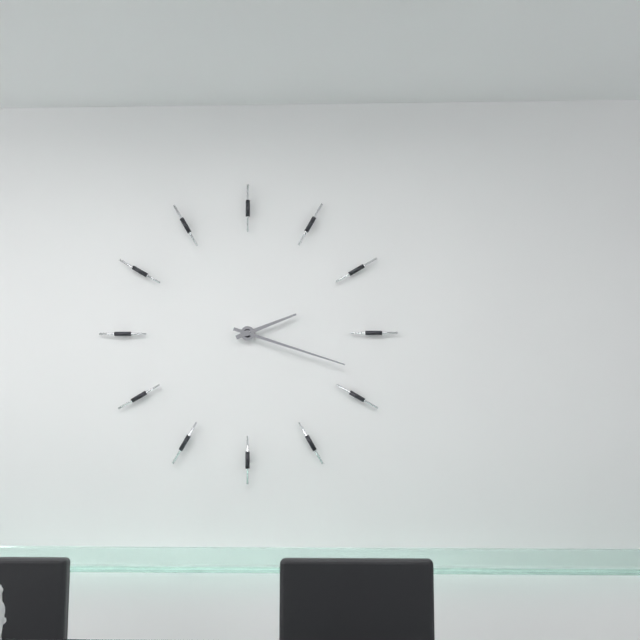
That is 2:18
